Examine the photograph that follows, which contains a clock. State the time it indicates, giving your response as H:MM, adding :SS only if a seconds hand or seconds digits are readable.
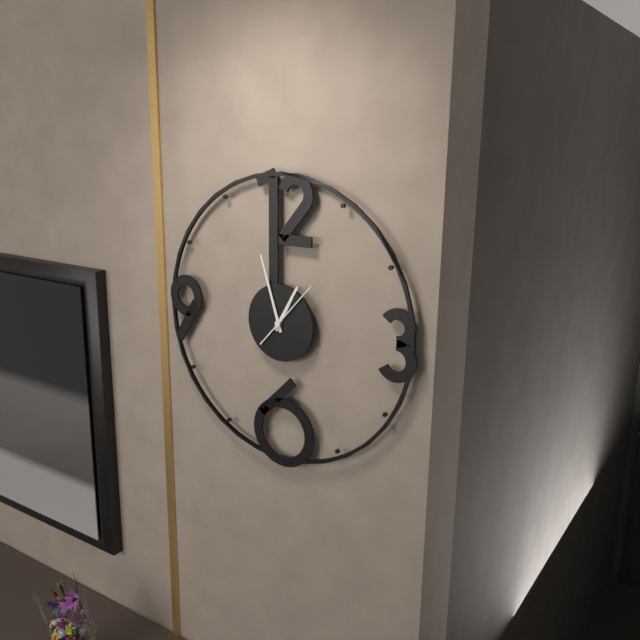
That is 12:57:07
